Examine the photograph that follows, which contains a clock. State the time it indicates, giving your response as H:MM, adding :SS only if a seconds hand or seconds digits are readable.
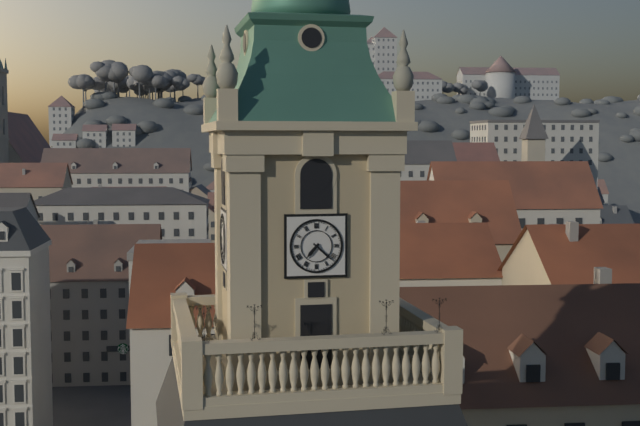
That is 7:22
